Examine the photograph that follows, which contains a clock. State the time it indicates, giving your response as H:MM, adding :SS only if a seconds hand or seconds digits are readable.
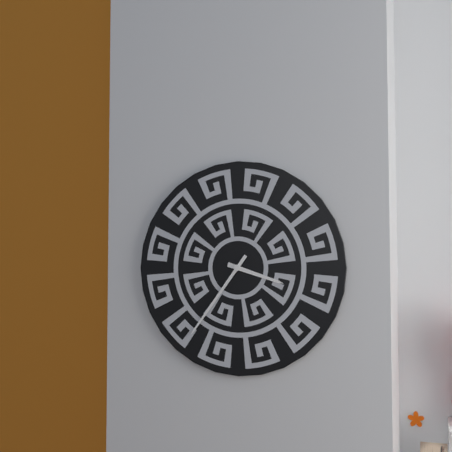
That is 3:36
